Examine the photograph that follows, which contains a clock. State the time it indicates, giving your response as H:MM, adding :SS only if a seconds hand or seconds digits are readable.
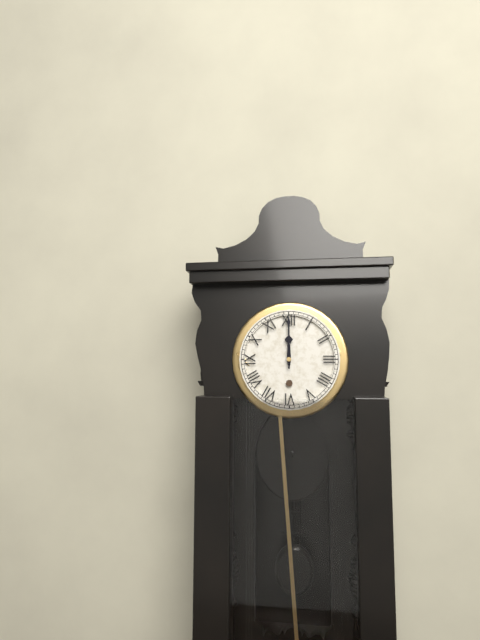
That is 12:00
